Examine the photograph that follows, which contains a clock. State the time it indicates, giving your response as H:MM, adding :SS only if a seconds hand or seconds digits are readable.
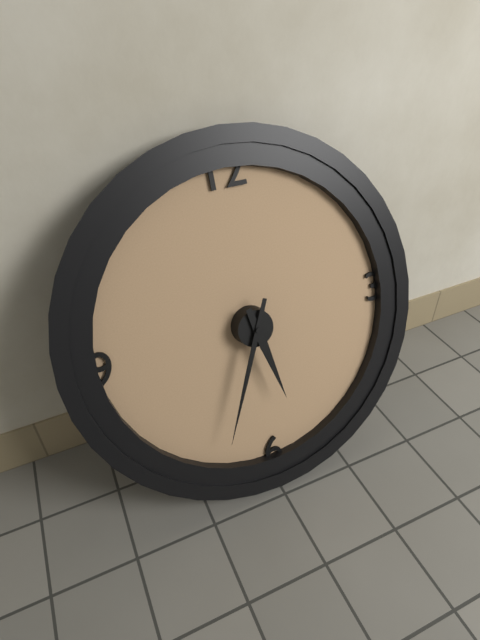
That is 5:34
